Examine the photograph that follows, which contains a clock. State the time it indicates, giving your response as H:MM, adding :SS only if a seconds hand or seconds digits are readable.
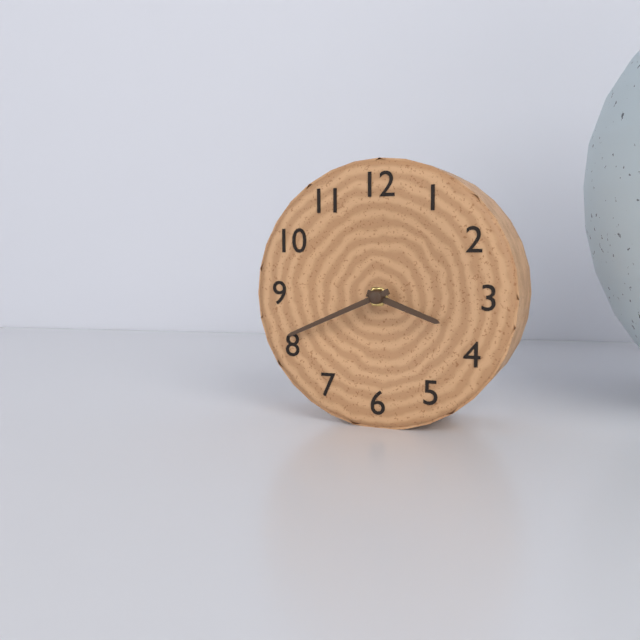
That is 3:41
